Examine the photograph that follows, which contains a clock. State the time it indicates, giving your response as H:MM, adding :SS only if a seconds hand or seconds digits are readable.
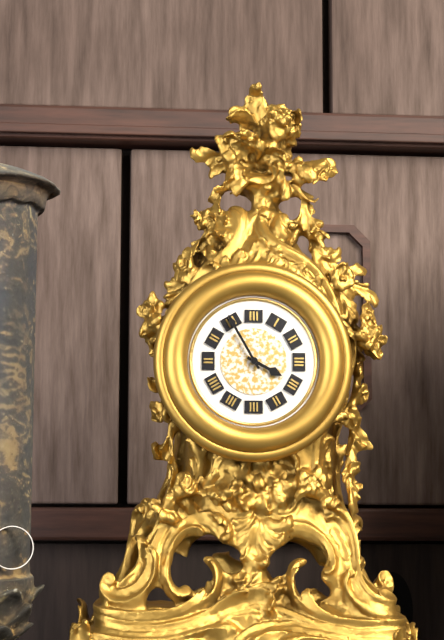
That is 3:55
